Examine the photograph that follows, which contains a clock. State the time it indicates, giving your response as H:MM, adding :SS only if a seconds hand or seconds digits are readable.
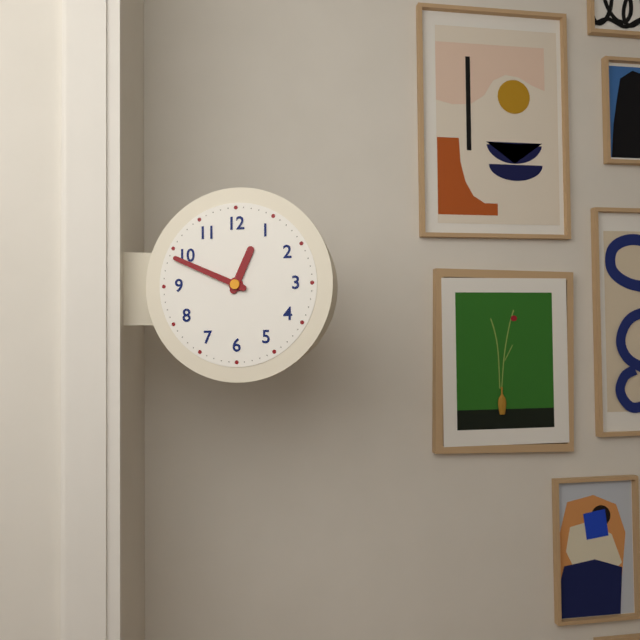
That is 12:49
